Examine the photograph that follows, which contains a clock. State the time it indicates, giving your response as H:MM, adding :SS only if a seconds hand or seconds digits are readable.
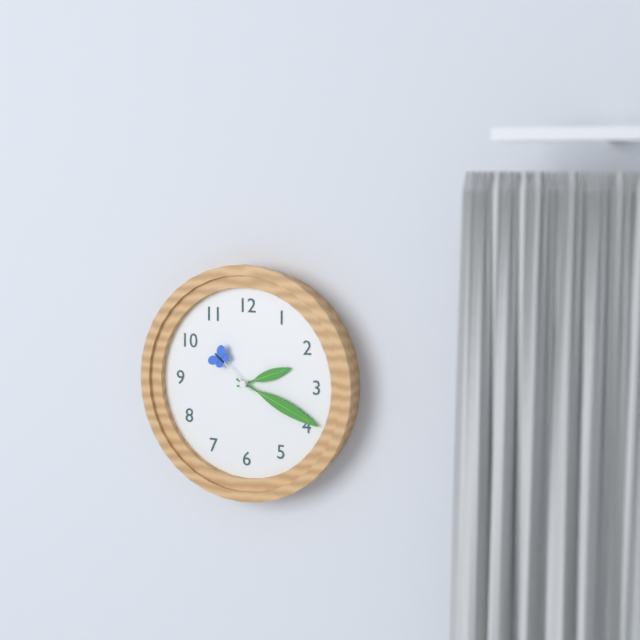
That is 2:19:52
